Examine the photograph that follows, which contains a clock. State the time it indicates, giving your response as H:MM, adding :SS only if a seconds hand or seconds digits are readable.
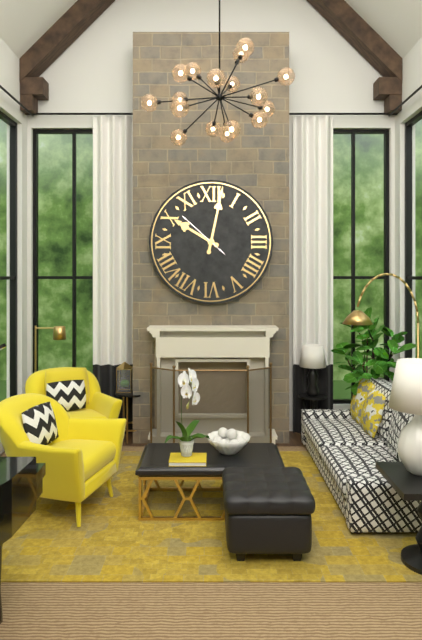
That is 10:02
